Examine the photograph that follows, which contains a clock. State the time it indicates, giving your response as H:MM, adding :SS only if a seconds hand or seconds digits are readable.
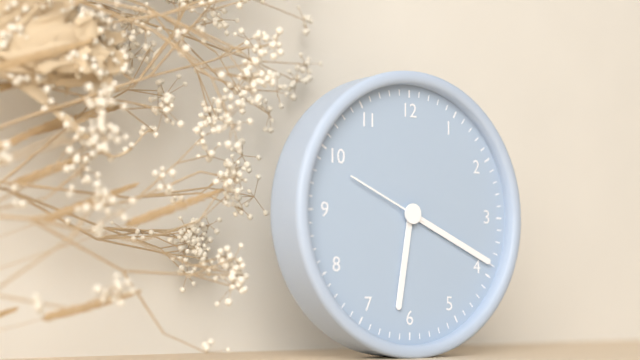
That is 6:19:49
